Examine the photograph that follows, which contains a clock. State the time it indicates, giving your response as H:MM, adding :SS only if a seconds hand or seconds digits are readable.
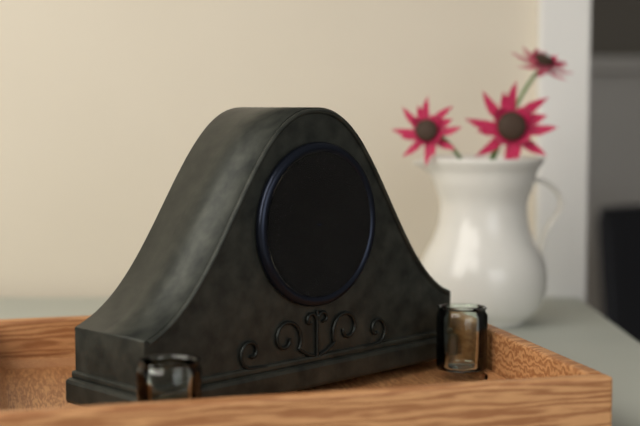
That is 10:04
